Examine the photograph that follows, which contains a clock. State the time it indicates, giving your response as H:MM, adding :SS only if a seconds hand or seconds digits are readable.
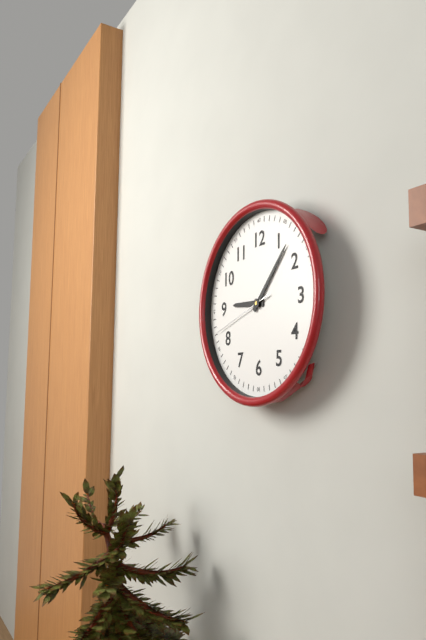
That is 9:07:42
